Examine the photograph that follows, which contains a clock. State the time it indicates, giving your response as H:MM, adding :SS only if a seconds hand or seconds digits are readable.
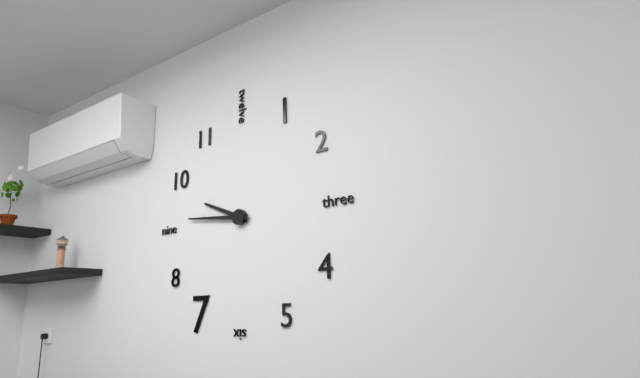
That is 9:46
